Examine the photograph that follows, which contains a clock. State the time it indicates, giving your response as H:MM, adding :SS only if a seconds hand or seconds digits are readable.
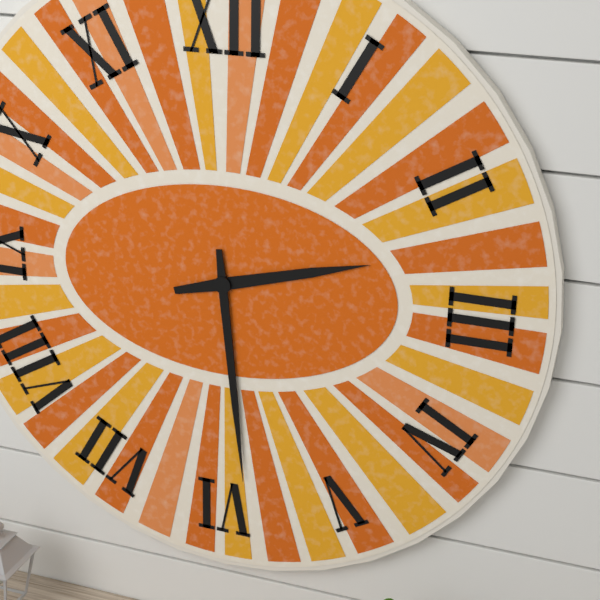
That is 2:29
